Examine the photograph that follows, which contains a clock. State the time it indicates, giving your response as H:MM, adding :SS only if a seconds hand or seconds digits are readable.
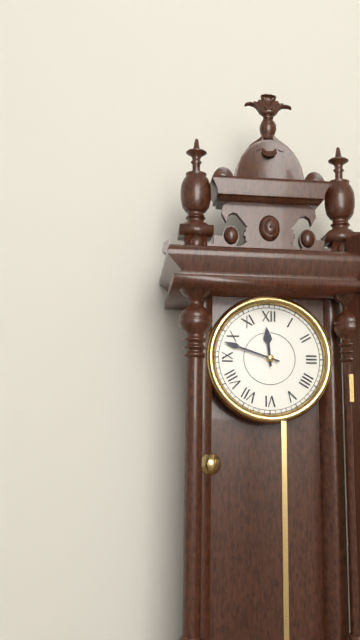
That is 11:48
